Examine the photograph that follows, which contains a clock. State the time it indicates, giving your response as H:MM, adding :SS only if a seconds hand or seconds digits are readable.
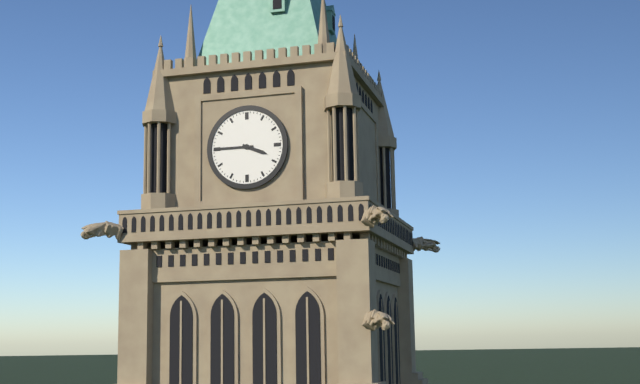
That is 3:45
